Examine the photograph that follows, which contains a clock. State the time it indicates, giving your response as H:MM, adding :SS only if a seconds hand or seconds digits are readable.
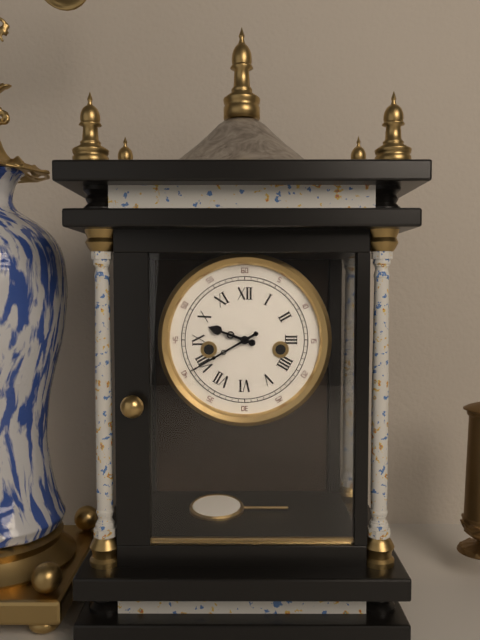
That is 9:40
